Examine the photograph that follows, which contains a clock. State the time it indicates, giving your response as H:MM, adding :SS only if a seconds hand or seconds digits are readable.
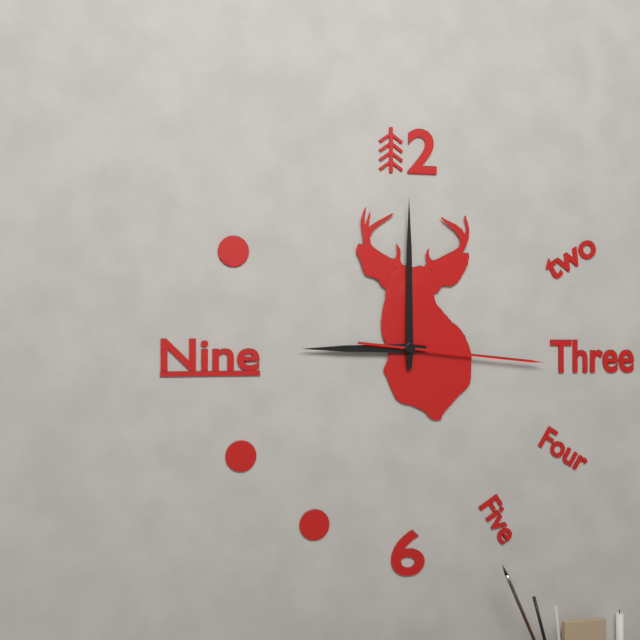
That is 9:00:16
